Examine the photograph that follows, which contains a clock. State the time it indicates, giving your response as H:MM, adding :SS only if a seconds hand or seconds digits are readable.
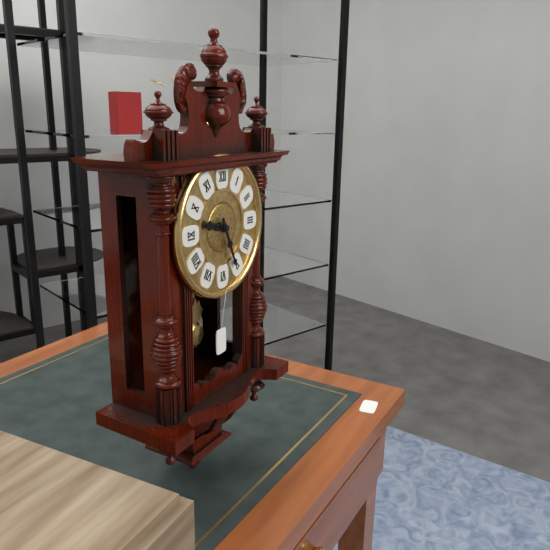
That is 9:26
